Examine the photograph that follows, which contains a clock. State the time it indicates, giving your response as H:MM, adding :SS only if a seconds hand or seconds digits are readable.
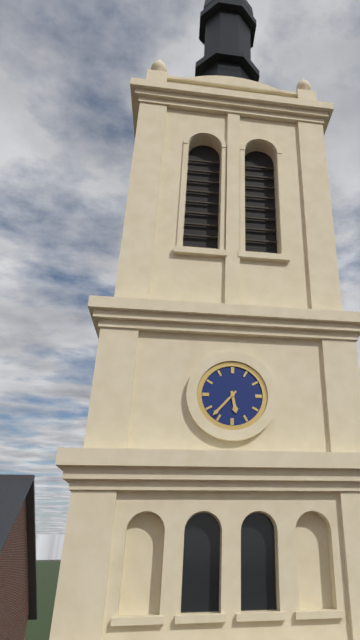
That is 5:37
